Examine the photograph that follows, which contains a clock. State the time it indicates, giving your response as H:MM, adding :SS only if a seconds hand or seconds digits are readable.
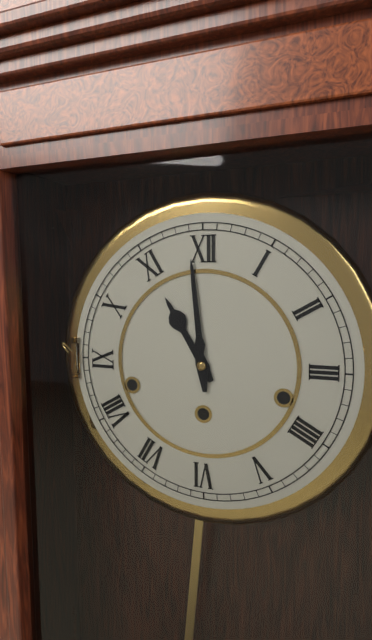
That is 10:59
